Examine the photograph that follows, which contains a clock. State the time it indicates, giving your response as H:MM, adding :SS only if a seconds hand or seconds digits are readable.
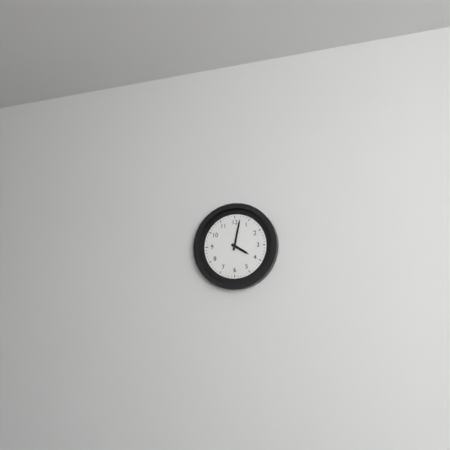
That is 4:02
